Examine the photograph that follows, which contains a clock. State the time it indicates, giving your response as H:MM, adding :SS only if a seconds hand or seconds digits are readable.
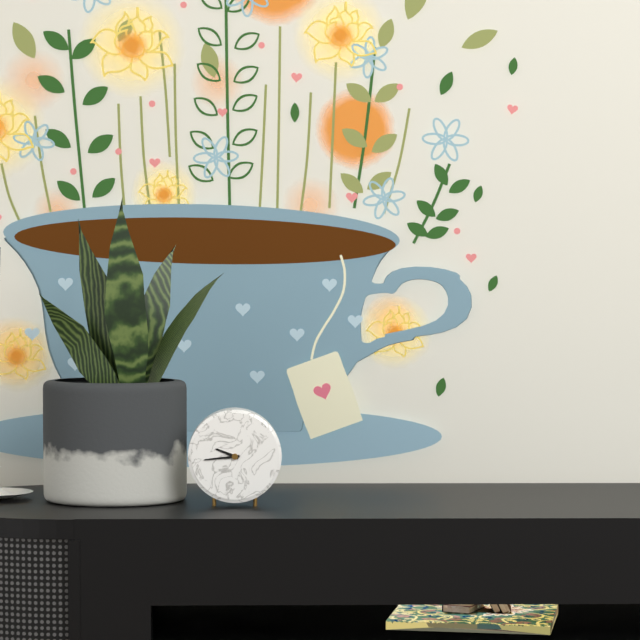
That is 9:44
